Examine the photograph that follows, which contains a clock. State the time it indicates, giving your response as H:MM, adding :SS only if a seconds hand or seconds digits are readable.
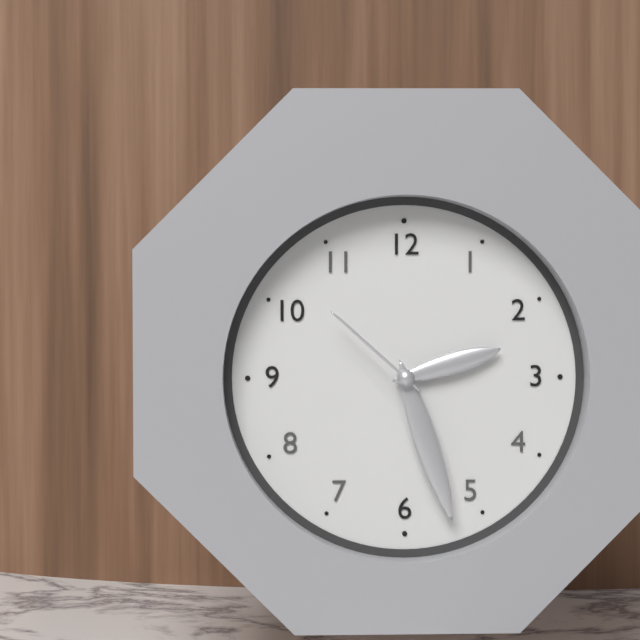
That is 2:27:52
